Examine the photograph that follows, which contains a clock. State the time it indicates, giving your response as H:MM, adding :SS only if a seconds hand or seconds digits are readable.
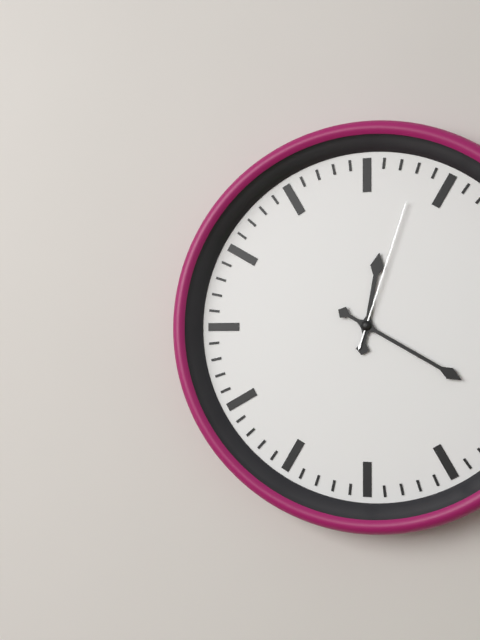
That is 12:20:03
